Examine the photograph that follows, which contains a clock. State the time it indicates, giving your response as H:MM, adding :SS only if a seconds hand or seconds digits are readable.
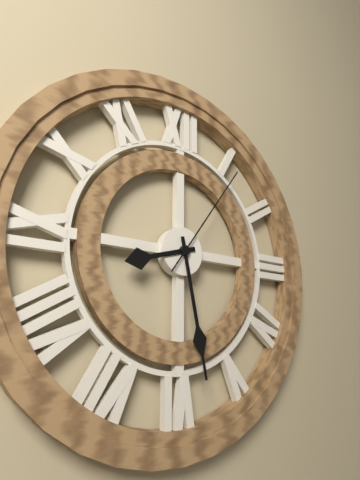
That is 8:28:06
